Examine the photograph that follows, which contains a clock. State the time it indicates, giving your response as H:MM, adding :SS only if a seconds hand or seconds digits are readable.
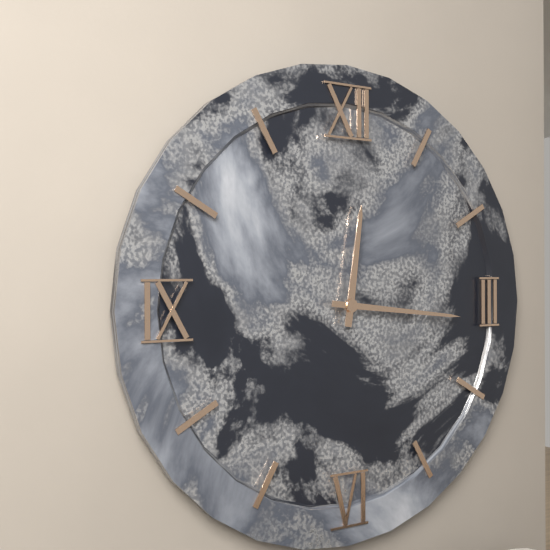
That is 12:16
